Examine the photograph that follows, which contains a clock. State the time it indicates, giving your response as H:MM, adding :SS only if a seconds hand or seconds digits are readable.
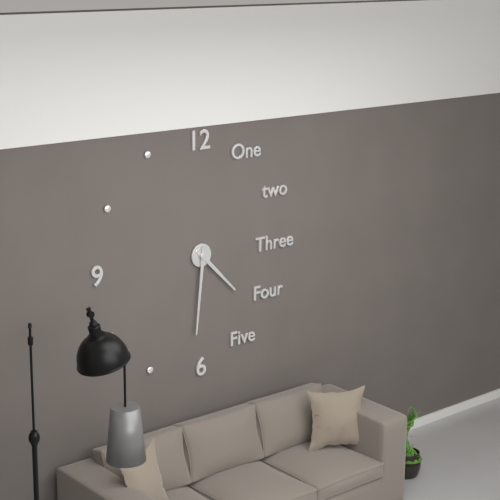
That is 4:31
